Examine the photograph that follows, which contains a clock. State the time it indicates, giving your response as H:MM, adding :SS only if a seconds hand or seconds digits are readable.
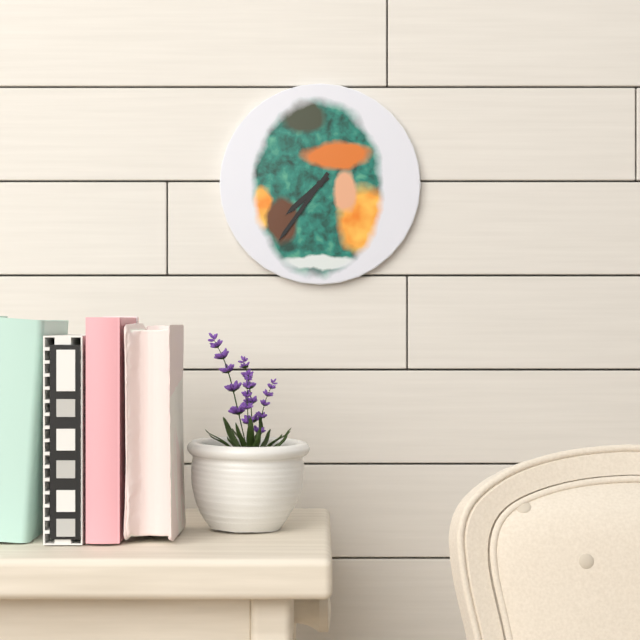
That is 7:36
